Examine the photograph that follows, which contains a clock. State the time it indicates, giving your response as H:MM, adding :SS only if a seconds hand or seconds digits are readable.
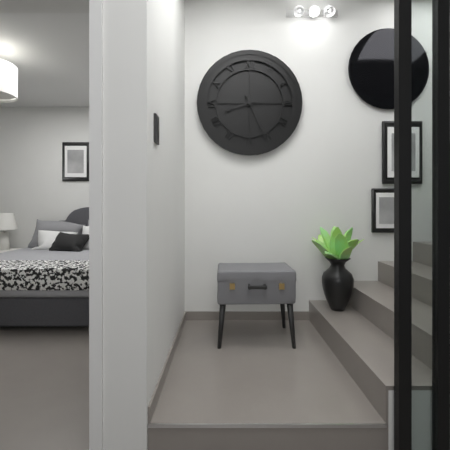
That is 8:26
